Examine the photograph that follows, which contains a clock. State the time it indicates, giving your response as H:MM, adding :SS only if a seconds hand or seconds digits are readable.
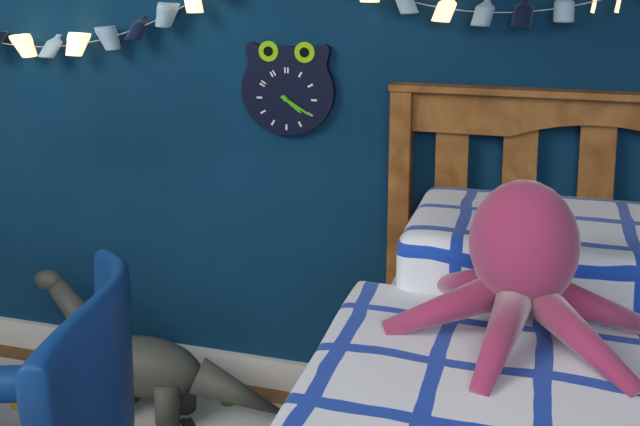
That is 4:20
